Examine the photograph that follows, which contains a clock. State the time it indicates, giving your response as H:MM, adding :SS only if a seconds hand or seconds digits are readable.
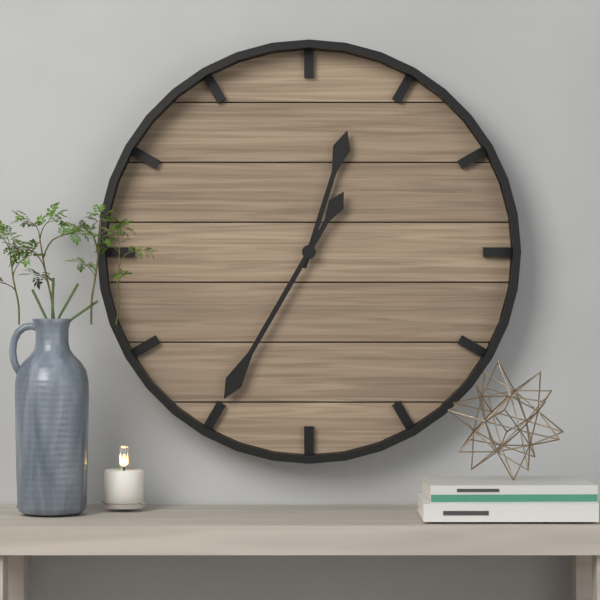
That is 12:35
